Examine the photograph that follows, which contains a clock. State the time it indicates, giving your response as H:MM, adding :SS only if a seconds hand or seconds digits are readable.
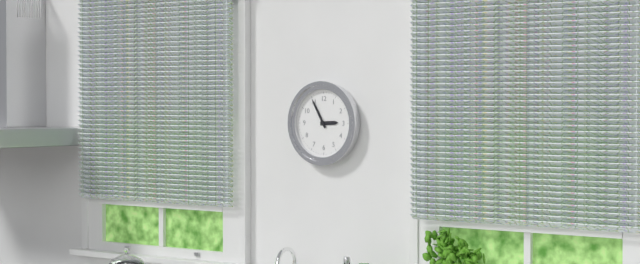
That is 2:55
